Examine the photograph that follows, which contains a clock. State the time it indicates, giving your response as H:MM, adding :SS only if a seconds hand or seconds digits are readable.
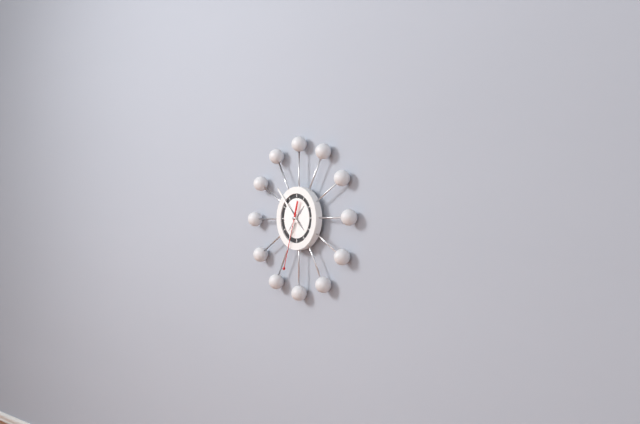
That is 6:53:33
